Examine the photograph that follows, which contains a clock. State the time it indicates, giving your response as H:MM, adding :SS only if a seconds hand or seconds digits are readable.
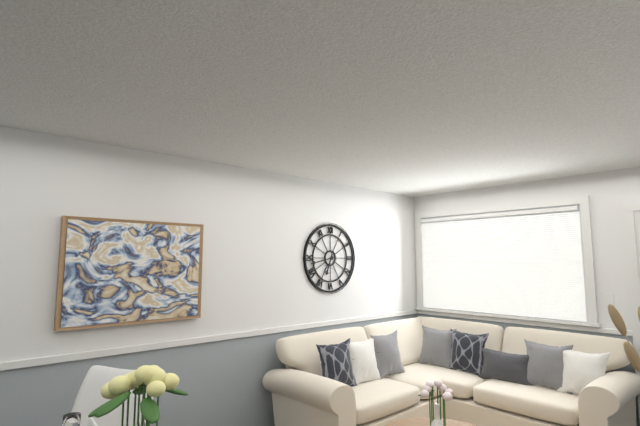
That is 6:43
